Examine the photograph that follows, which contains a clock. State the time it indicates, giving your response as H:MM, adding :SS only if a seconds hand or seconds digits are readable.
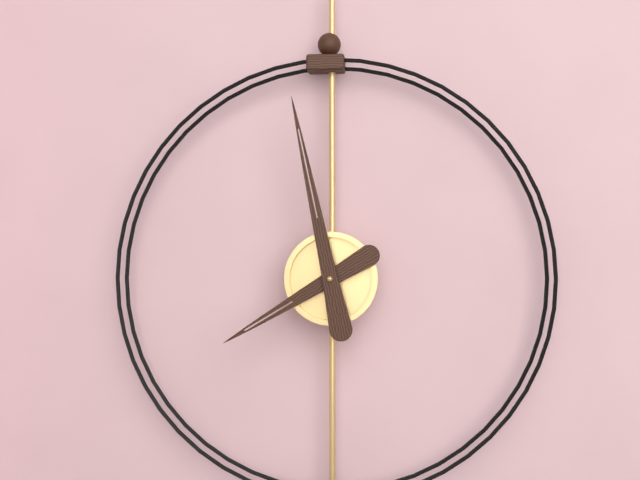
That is 7:58
